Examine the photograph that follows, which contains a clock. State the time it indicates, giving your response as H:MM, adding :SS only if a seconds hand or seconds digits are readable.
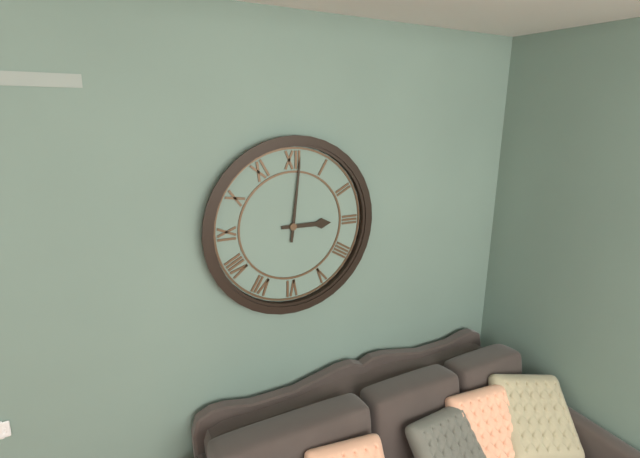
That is 3:01
